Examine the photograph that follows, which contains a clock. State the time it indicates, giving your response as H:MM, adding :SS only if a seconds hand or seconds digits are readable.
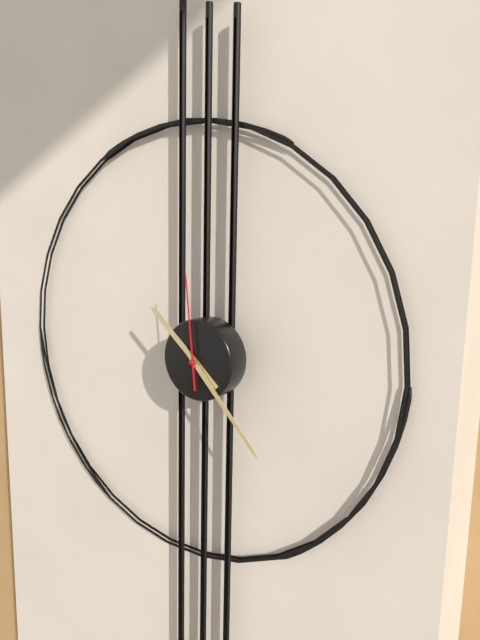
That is 10:23:59
